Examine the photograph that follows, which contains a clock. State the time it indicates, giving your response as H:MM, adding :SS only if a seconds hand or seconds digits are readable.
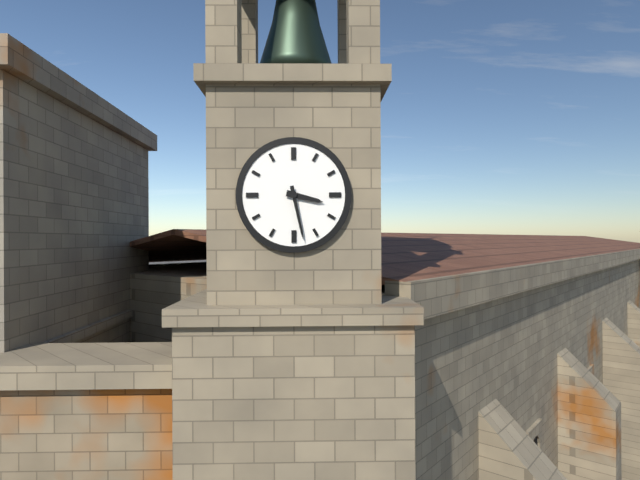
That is 3:28
